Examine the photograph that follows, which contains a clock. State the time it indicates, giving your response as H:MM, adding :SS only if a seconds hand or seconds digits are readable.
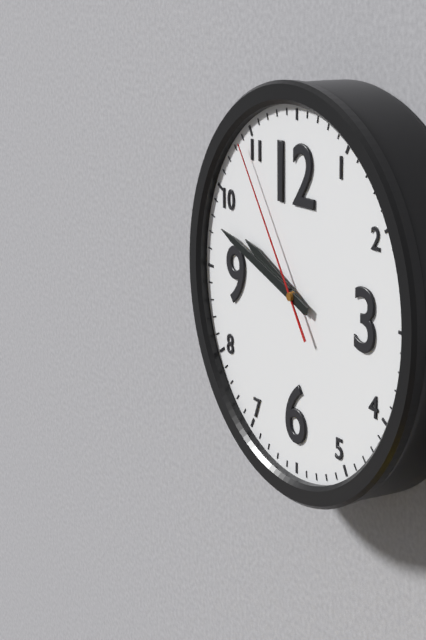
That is 9:48:54
